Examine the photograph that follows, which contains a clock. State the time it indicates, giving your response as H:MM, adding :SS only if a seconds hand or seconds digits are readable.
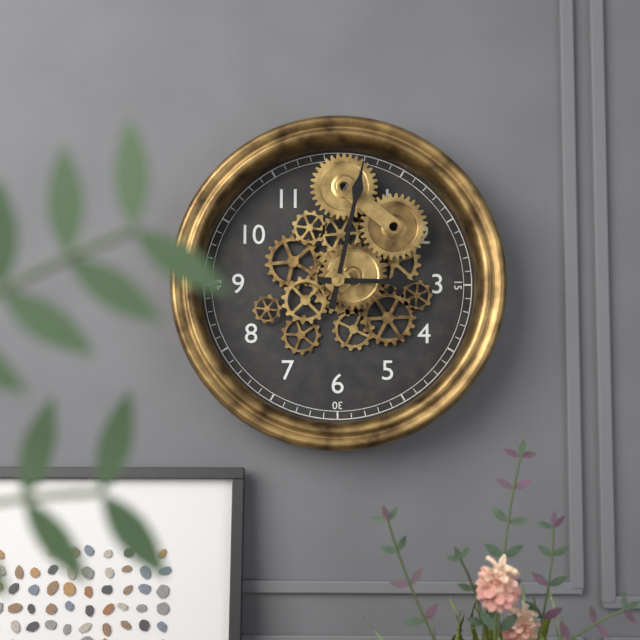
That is 3:02
